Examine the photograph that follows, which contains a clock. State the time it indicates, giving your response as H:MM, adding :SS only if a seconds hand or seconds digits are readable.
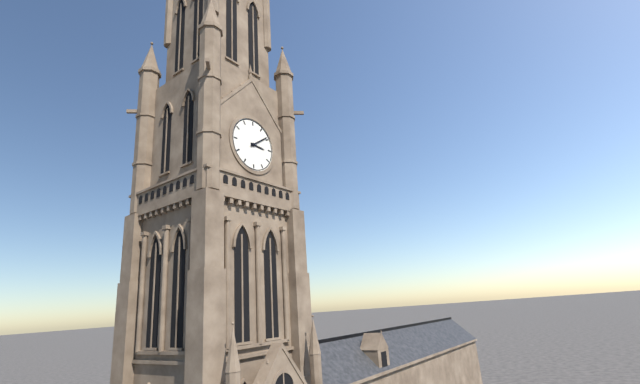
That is 3:09
